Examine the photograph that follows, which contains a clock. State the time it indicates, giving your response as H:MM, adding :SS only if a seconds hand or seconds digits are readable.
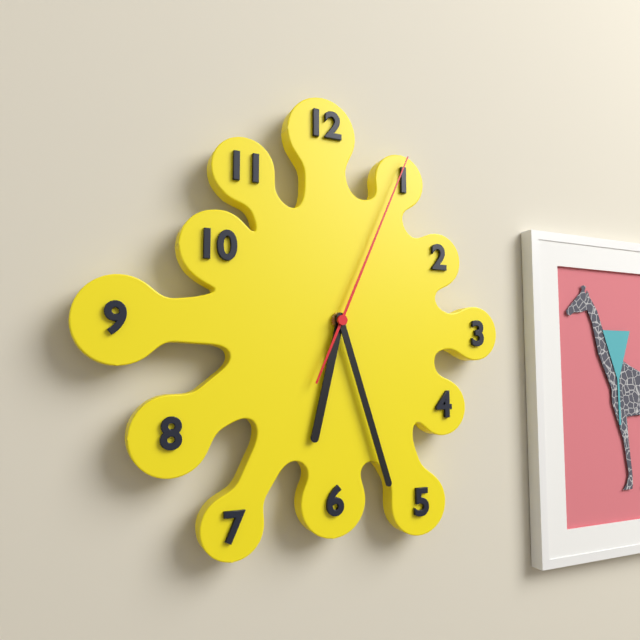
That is 6:27:04
